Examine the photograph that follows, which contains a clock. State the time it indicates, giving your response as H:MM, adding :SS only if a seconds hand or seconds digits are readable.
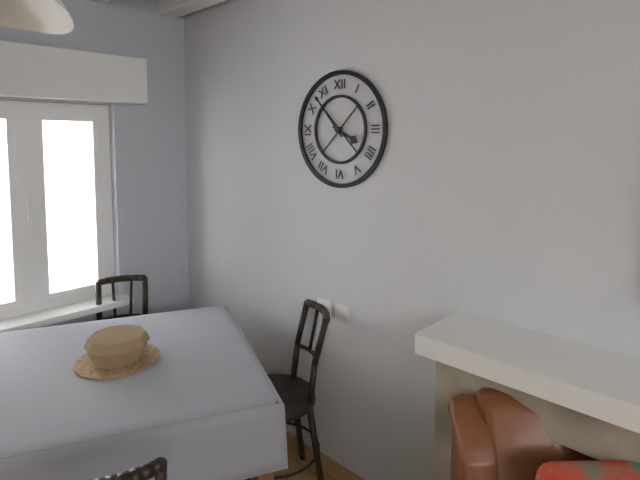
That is 3:53
